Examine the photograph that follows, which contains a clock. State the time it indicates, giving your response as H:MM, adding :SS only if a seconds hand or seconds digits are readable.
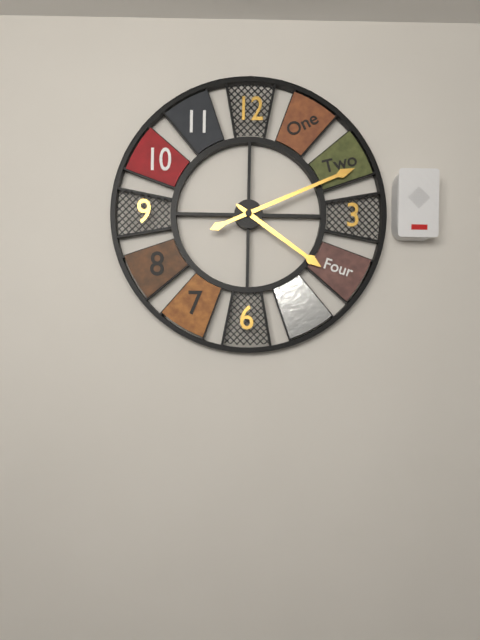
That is 4:11
